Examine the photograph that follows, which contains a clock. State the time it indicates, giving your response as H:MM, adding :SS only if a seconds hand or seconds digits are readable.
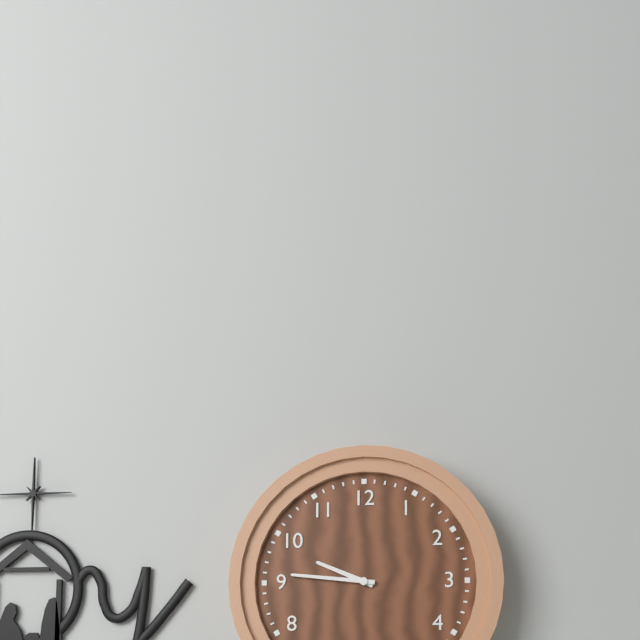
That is 9:46
